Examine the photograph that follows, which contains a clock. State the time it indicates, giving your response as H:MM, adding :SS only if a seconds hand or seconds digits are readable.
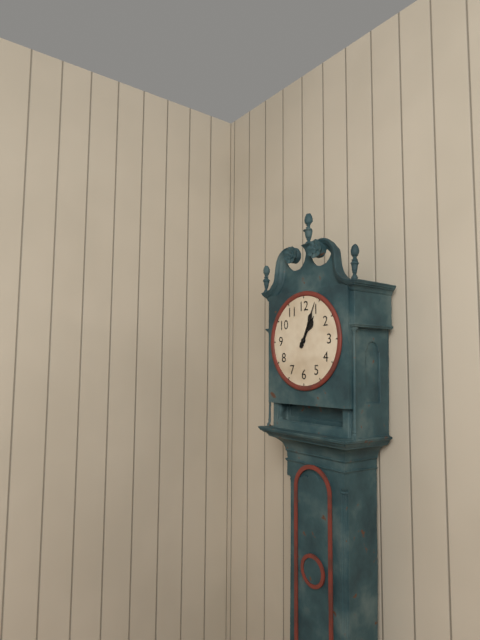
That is 1:04
